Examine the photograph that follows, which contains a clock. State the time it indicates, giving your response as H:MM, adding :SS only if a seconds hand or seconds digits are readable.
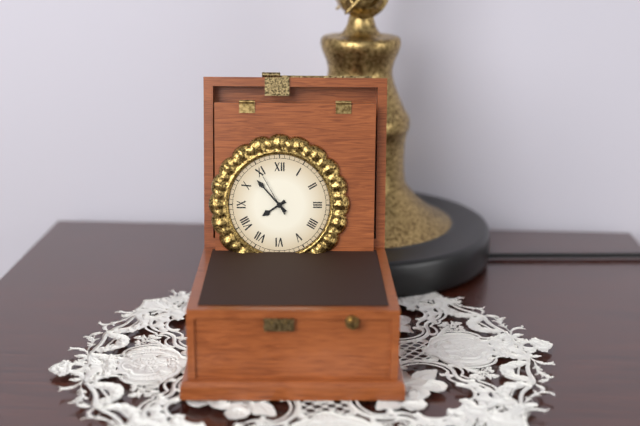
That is 7:53
